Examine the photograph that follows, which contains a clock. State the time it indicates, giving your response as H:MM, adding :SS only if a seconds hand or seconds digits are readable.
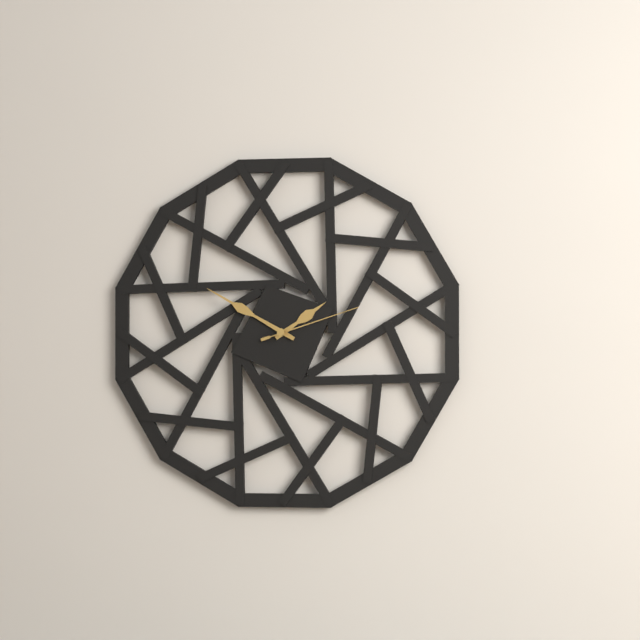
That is 1:50:12
